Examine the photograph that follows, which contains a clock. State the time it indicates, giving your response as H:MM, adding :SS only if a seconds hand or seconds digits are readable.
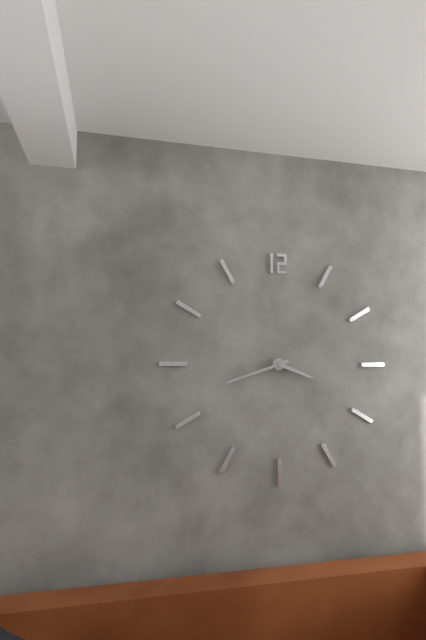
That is 3:42
